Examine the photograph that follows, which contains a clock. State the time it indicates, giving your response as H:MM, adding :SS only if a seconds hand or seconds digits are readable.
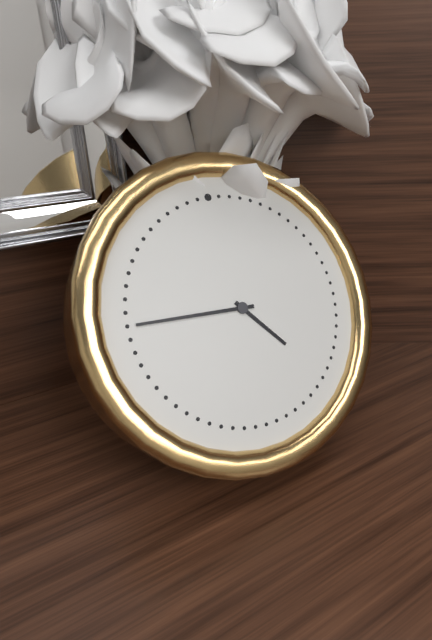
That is 4:46
